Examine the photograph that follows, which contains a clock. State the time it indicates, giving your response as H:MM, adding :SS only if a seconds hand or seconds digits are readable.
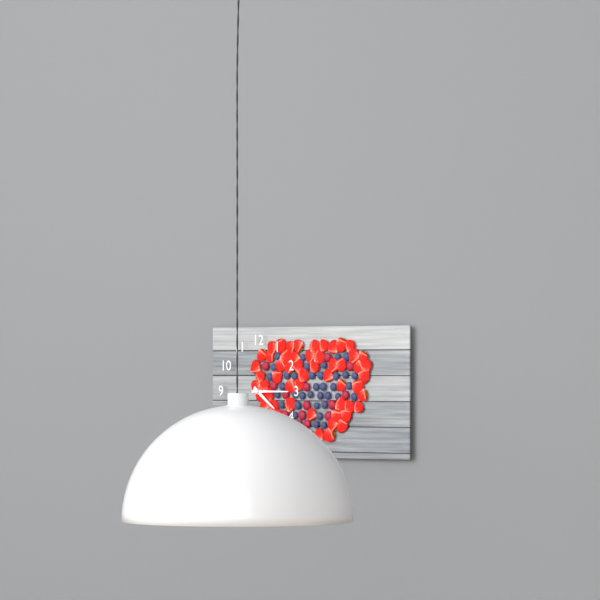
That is 4:15
